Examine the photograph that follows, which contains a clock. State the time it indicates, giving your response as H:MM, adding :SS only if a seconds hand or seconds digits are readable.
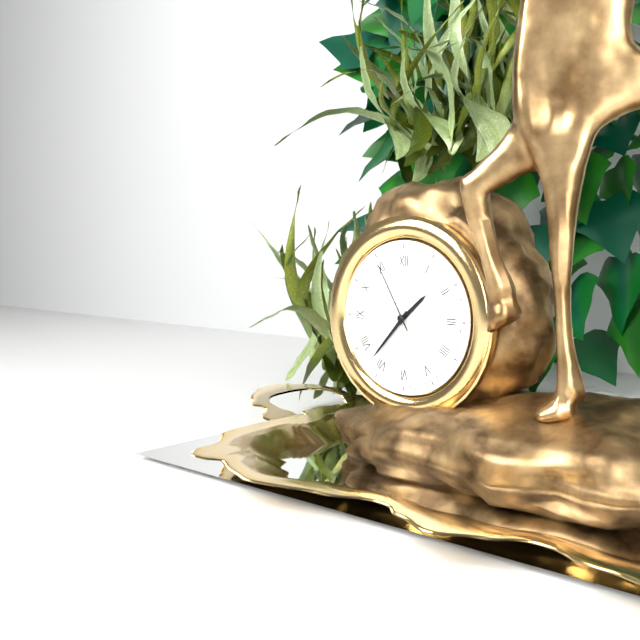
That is 1:37:55
